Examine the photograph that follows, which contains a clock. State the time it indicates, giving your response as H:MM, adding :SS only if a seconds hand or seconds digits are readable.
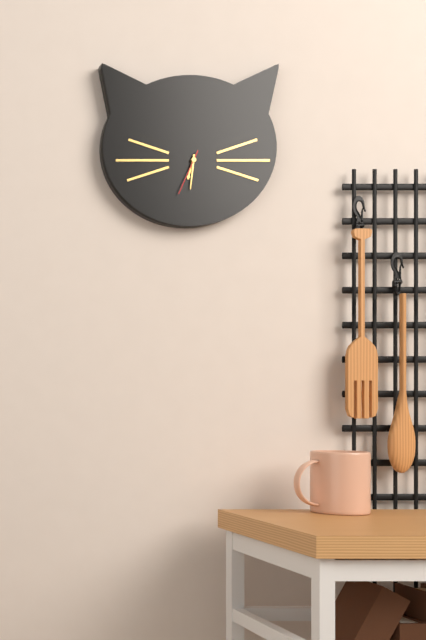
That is 6:31
